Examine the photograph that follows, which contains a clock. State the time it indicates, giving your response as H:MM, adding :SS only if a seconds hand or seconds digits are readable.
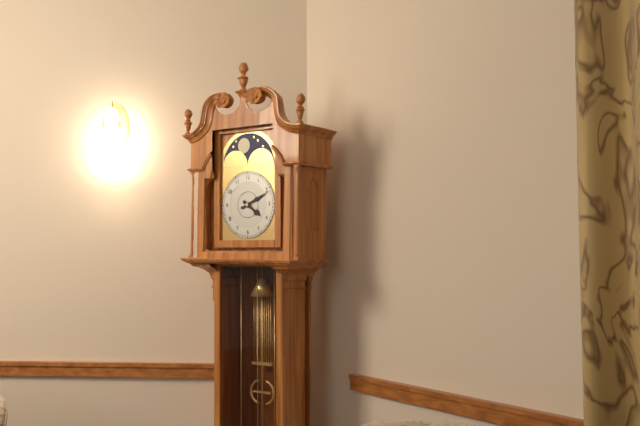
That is 4:11
